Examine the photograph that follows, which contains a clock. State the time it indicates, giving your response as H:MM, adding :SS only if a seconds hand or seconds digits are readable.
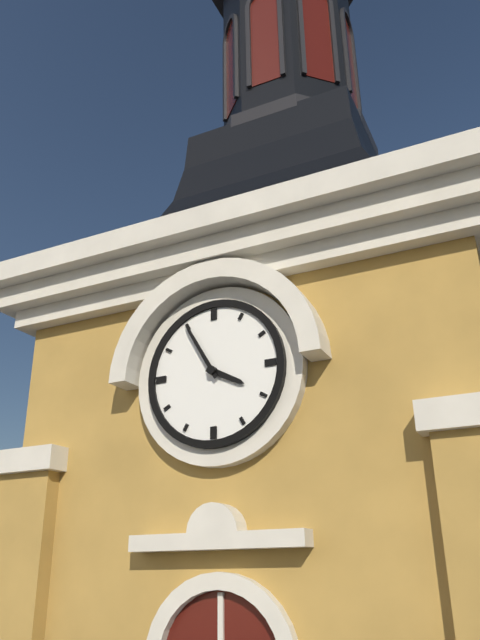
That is 3:55
